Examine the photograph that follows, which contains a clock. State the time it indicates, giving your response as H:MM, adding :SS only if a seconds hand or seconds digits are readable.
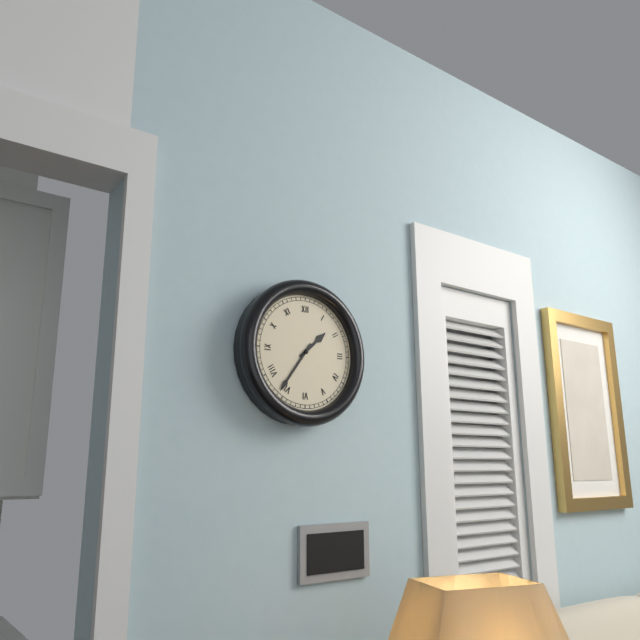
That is 1:36
